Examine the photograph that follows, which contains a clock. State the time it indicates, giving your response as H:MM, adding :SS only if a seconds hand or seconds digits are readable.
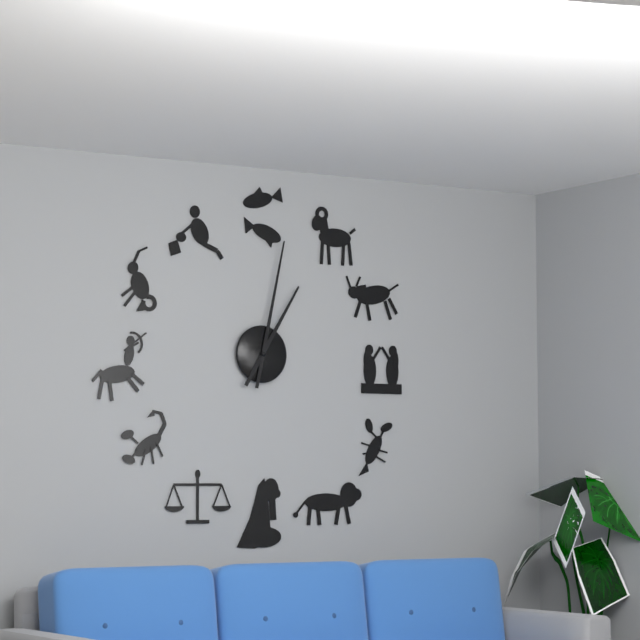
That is 1:02
